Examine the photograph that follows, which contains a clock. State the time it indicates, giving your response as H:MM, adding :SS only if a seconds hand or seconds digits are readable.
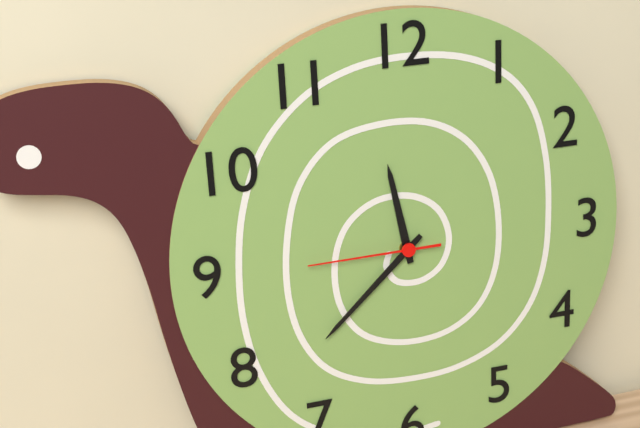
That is 11:38:45
